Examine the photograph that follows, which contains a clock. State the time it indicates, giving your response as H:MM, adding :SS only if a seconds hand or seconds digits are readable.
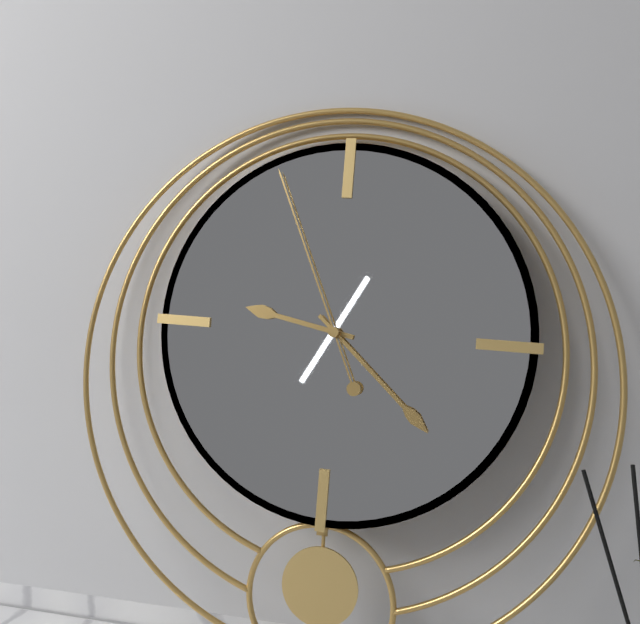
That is 9:22:56
